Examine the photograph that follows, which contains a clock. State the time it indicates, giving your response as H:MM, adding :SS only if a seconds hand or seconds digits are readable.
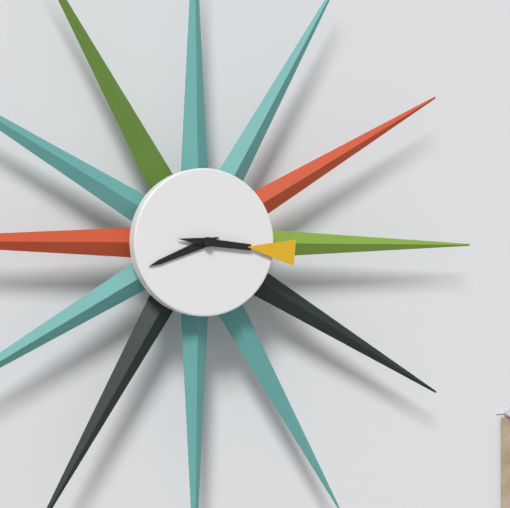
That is 8:16
